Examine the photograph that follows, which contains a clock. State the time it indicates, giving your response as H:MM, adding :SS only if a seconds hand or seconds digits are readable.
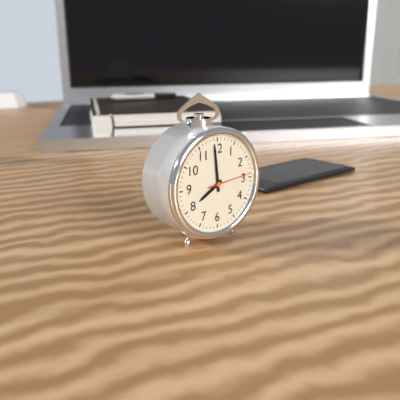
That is 7:59
